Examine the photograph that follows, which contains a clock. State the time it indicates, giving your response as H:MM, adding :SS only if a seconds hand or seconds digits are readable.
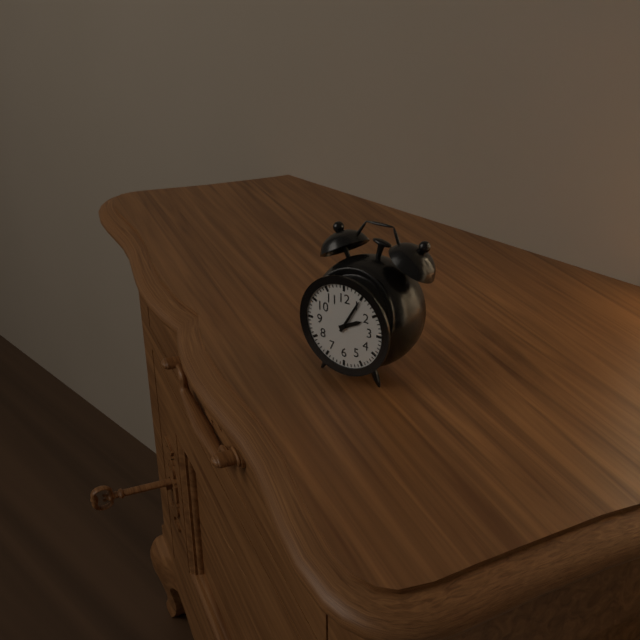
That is 2:05
